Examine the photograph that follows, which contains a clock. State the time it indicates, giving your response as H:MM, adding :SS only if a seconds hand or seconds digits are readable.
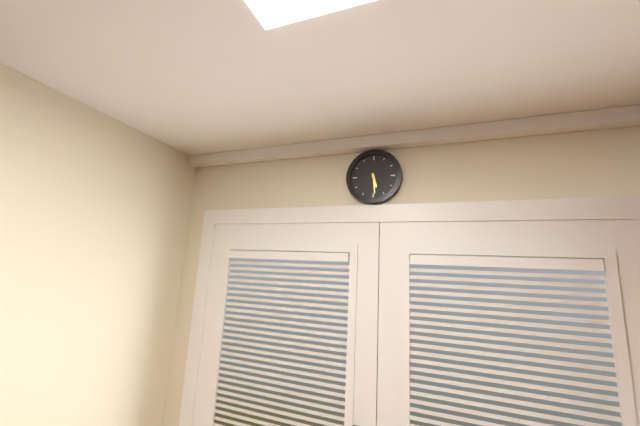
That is 5:29
